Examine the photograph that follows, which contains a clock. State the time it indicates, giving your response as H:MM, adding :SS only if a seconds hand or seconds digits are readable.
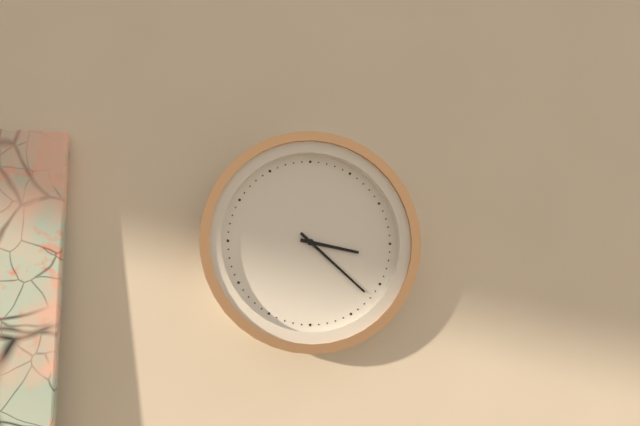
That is 3:22
